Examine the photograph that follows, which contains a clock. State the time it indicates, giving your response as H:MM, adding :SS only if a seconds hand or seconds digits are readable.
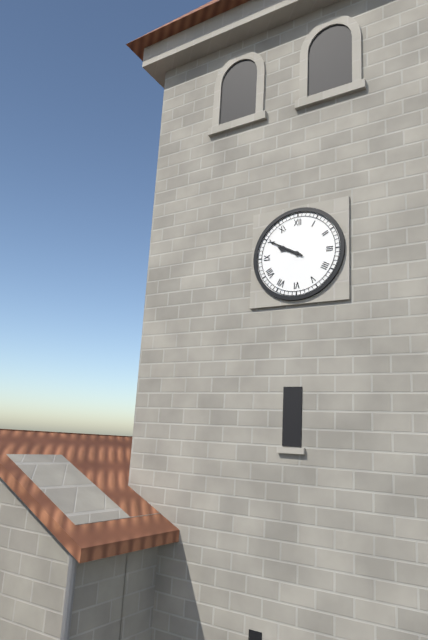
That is 9:50
